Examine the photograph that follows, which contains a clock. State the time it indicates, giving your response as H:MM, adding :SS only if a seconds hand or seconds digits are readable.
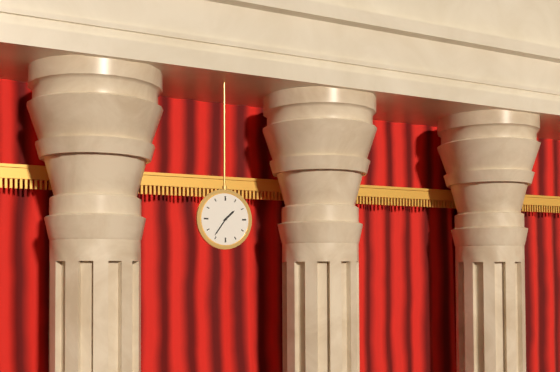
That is 1:36
